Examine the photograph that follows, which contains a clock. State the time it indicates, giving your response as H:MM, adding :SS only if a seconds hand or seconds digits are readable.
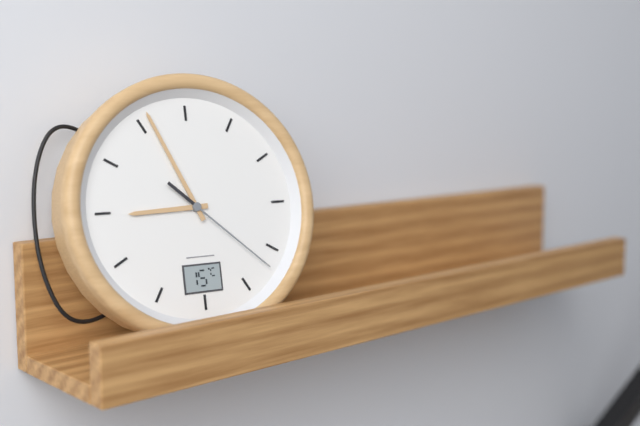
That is 8:56:22
